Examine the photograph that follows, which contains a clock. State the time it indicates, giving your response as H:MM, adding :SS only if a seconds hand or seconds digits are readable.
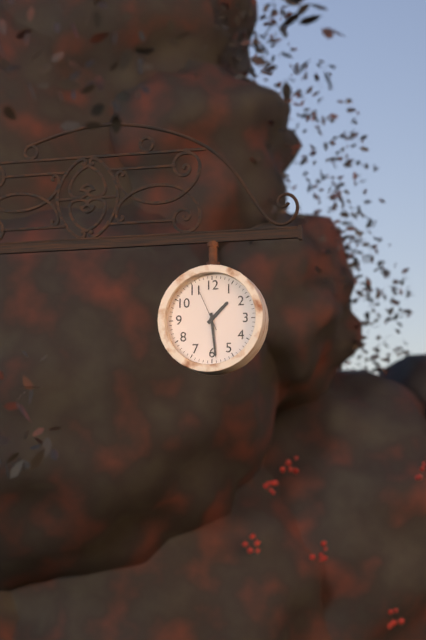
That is 1:29
